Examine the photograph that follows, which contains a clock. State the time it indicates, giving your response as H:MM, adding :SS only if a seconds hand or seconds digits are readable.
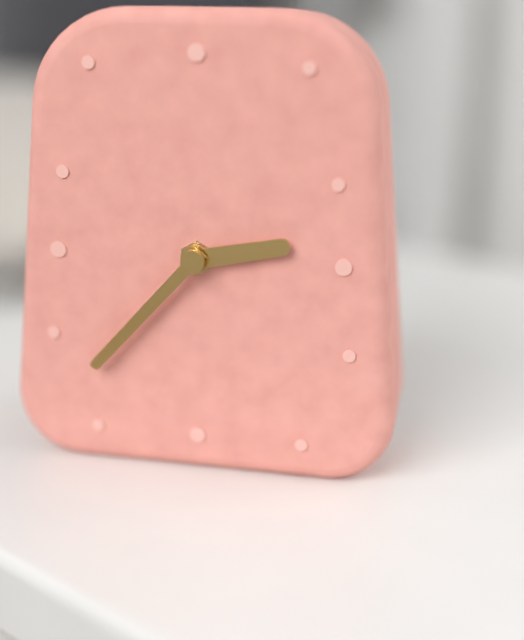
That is 2:37
